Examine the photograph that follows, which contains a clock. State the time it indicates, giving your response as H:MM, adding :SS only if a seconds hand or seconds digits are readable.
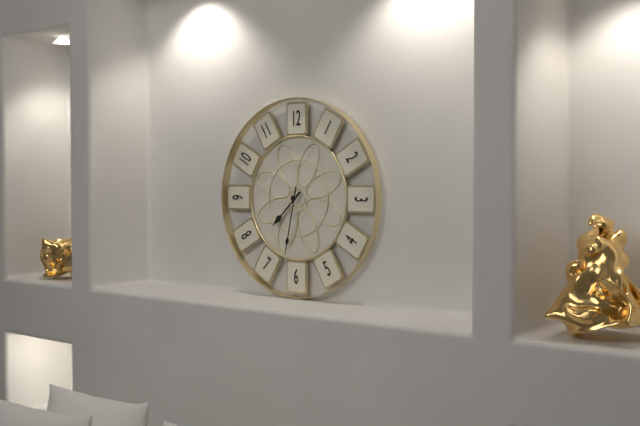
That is 7:32
